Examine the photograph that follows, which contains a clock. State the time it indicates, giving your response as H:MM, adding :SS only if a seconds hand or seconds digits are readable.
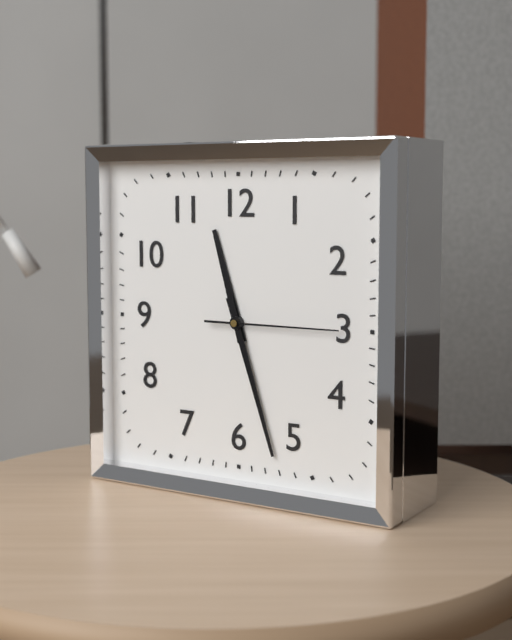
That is 11:27:15
